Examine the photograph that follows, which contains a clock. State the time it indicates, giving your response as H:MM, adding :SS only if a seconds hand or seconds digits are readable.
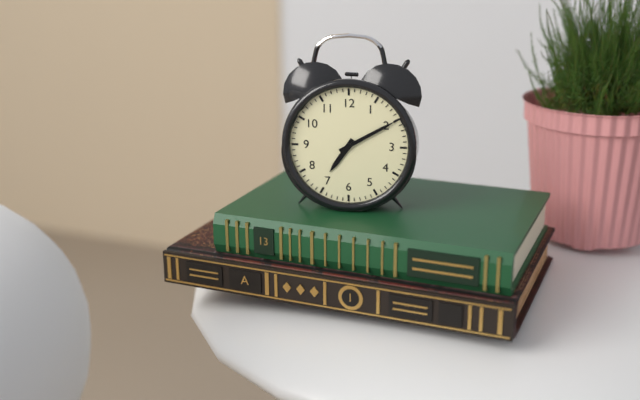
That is 7:10
